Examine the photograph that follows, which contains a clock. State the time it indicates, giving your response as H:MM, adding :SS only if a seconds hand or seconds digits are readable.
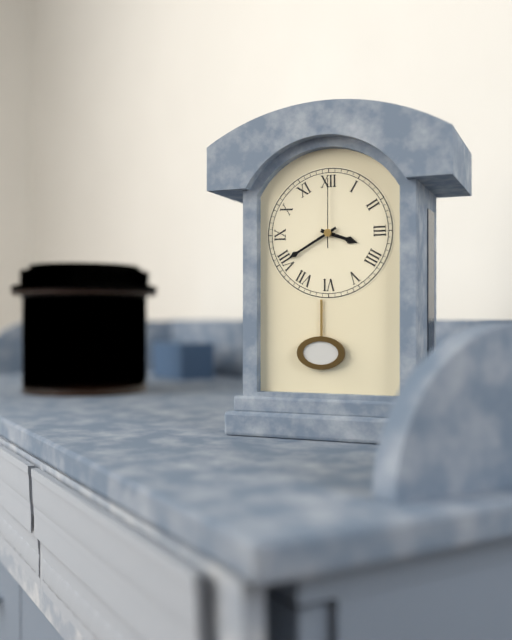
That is 3:40:00
